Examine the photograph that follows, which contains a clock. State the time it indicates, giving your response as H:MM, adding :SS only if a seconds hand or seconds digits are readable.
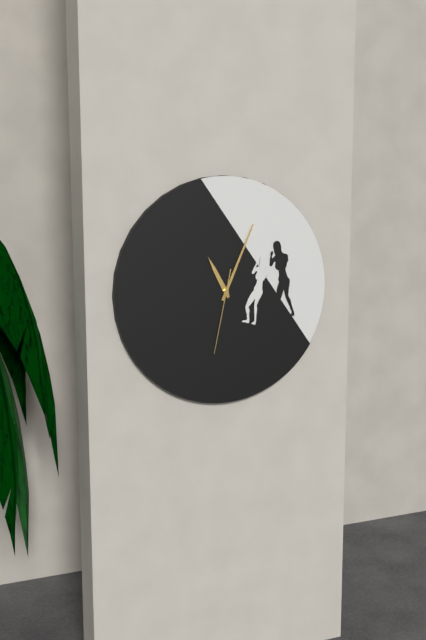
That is 11:04:32
